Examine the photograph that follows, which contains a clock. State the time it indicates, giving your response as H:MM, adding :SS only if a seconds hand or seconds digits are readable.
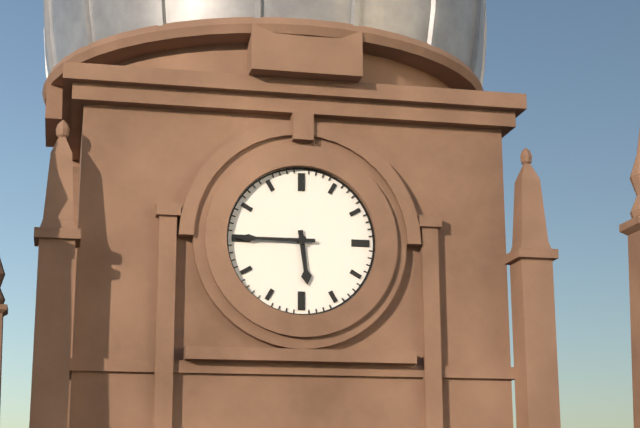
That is 5:45
